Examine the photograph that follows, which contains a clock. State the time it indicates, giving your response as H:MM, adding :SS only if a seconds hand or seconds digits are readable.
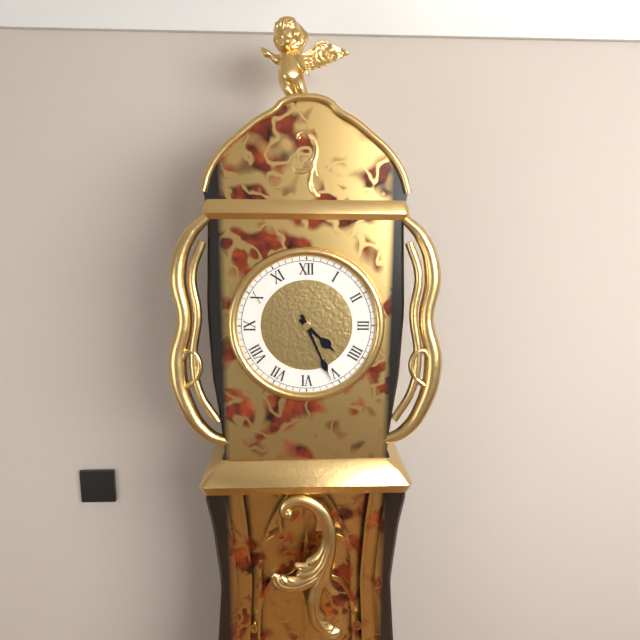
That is 4:26
